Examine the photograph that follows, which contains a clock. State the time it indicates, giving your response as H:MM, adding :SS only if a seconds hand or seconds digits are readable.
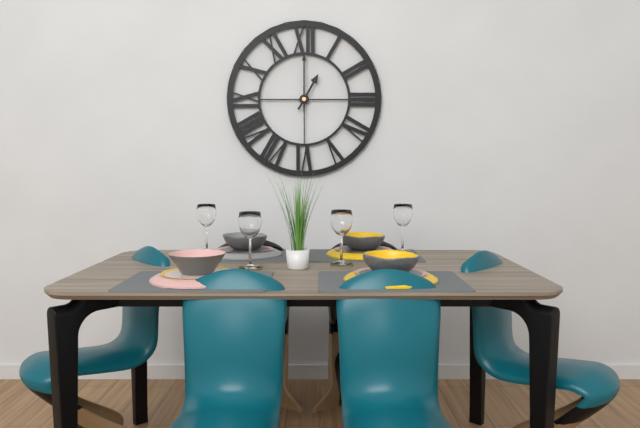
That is 1:00
